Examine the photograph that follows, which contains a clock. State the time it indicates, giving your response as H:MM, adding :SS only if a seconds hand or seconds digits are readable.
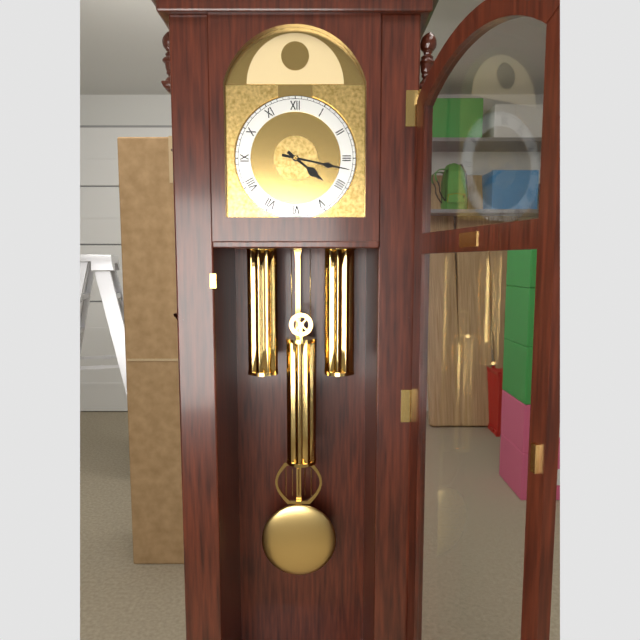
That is 4:17
